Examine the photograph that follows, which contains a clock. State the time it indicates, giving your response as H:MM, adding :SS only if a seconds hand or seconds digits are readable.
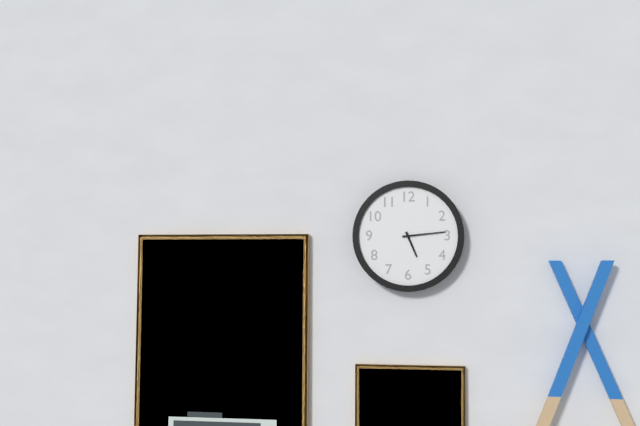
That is 5:14
